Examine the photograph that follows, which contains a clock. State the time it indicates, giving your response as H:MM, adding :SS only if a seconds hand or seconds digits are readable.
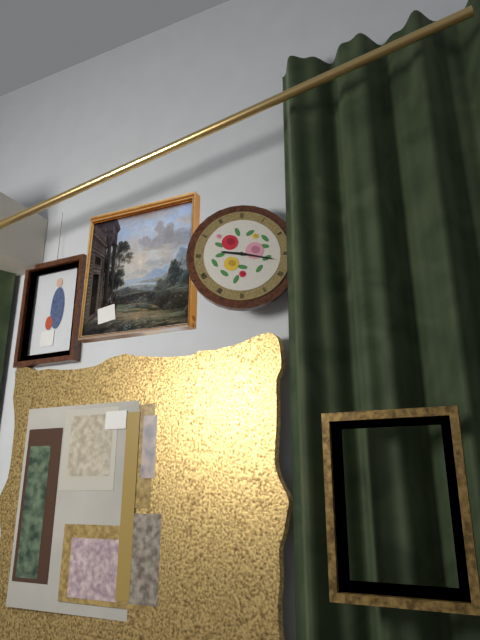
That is 9:17
